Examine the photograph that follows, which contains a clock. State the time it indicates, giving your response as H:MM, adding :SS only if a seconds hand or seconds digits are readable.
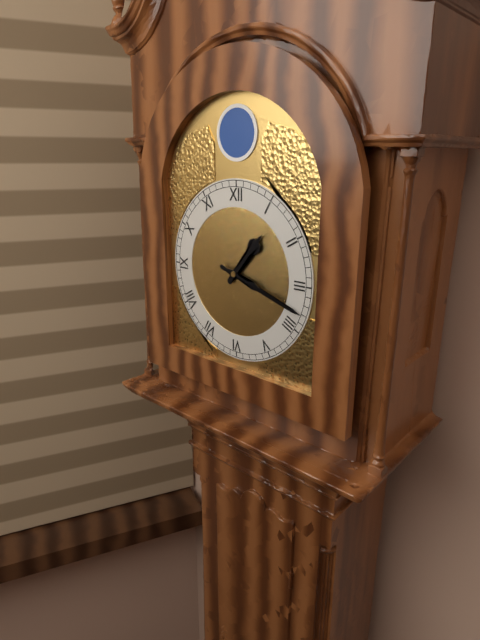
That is 1:18
